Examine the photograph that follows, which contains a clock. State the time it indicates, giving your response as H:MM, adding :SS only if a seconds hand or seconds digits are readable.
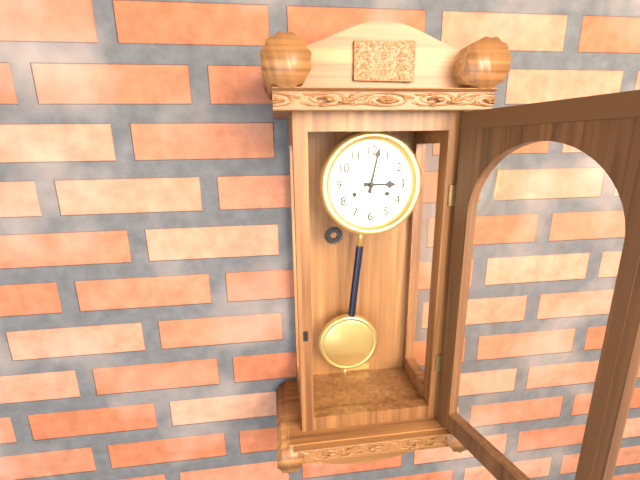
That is 3:02
